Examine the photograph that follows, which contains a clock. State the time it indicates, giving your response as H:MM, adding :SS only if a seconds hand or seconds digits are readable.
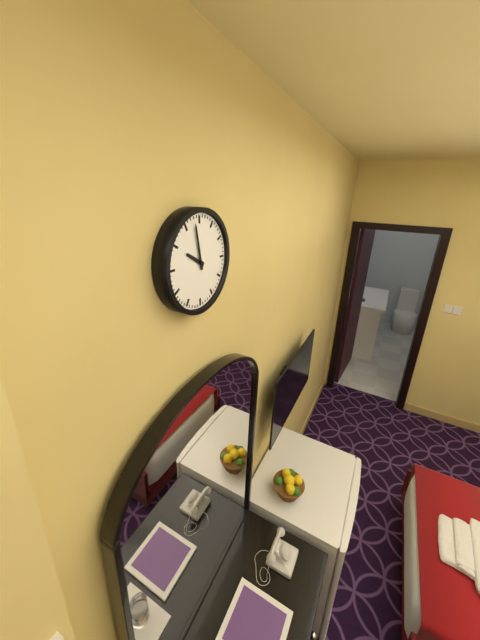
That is 9:58
